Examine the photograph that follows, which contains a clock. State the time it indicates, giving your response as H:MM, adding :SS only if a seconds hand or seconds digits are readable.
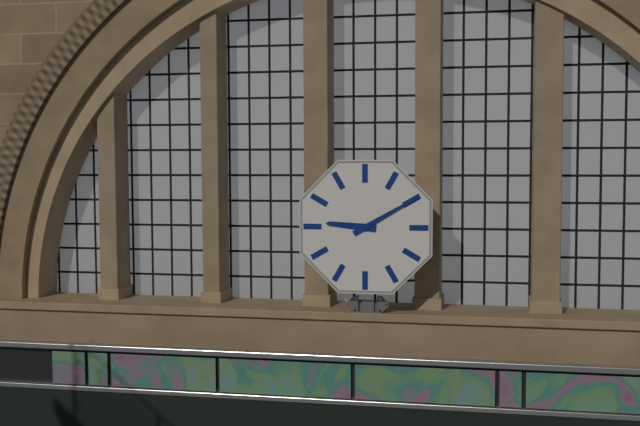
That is 9:10
